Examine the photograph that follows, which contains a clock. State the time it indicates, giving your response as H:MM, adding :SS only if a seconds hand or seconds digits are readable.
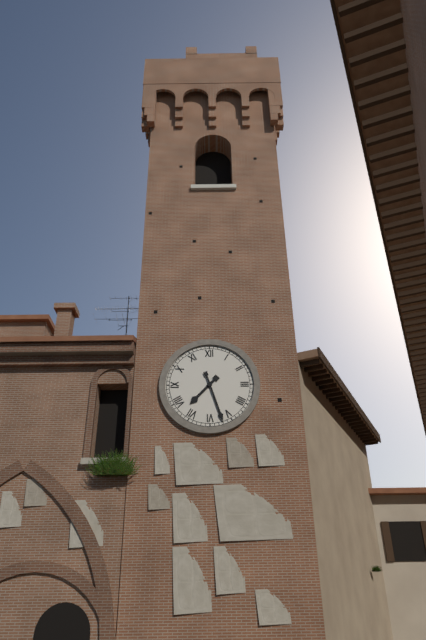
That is 7:27
